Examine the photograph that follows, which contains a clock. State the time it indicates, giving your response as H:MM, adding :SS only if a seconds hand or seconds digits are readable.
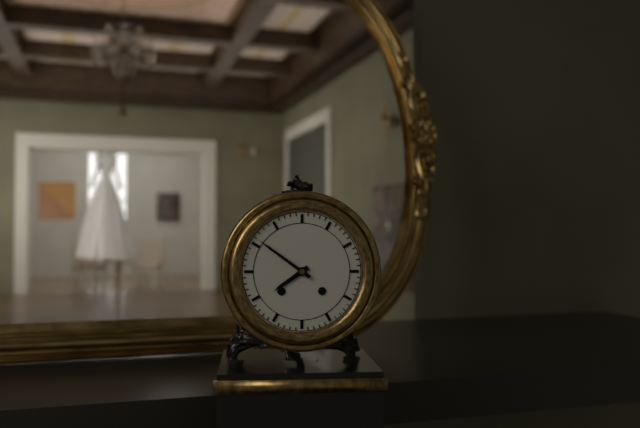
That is 7:51
